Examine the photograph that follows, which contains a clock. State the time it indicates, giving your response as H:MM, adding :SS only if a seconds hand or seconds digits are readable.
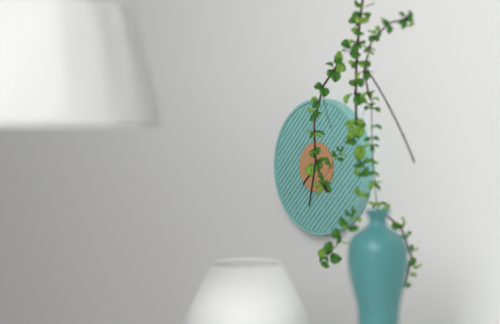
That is 7:32
